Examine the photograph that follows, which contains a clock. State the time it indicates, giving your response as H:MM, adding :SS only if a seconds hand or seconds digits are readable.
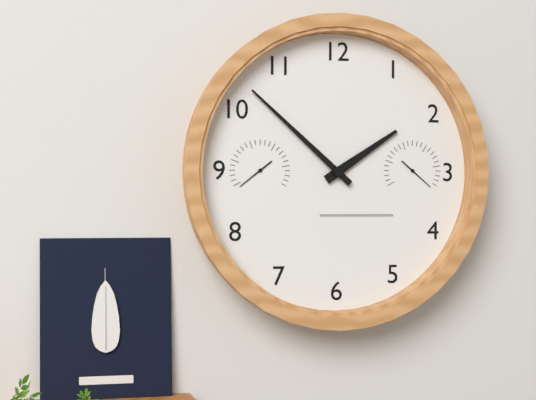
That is 1:52
